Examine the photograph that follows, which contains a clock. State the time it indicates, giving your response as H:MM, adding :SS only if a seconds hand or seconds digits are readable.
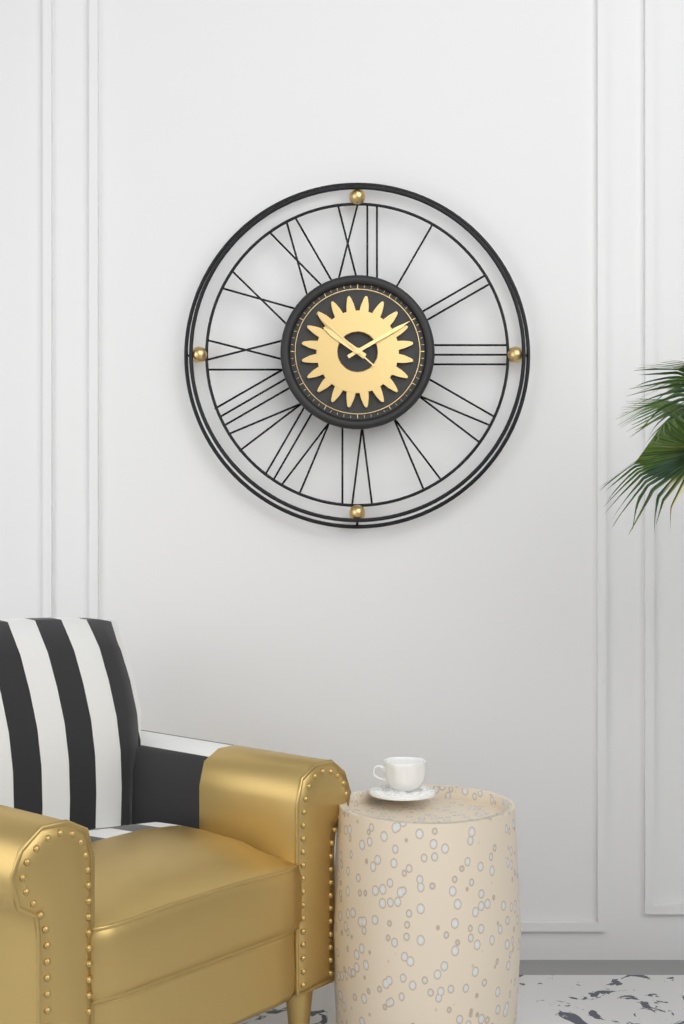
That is 10:10:52
